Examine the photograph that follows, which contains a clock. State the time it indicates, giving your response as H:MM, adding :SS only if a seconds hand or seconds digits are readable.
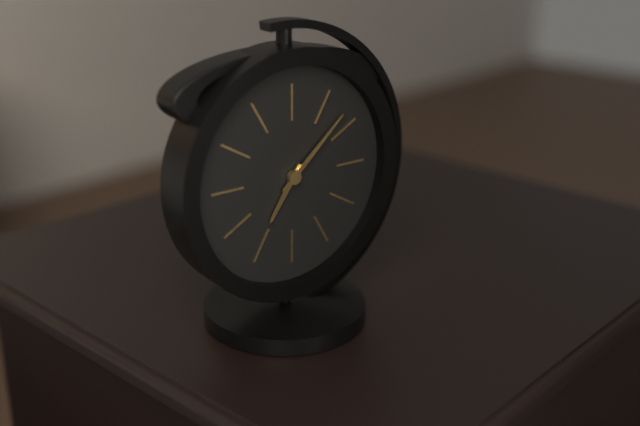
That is 7:08
